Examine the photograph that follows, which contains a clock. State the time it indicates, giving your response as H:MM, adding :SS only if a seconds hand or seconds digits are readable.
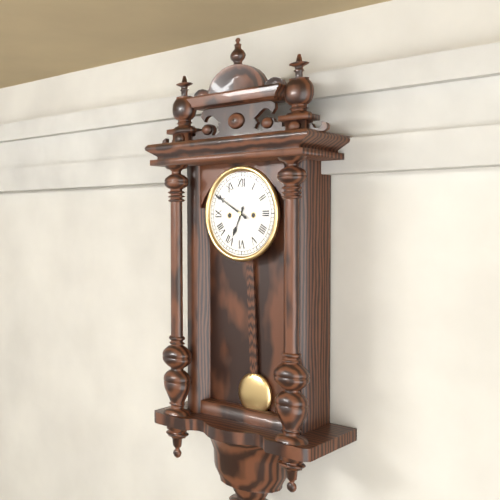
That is 6:50
